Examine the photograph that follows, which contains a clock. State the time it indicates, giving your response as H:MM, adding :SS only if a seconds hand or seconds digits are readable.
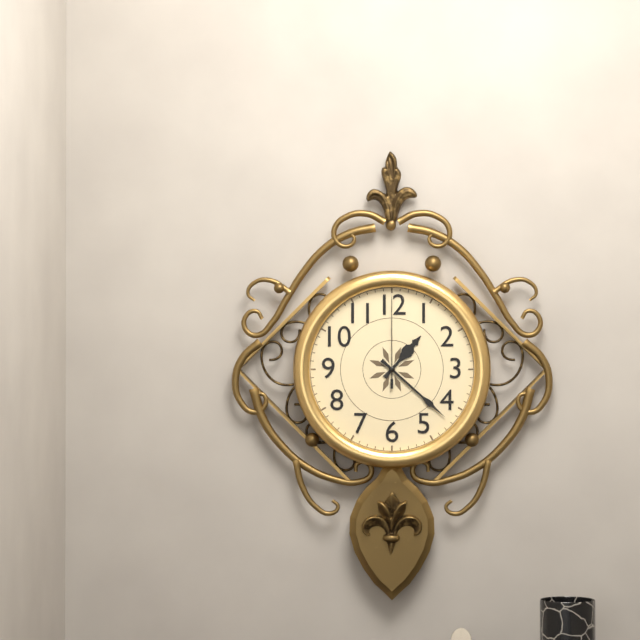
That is 1:22:00
